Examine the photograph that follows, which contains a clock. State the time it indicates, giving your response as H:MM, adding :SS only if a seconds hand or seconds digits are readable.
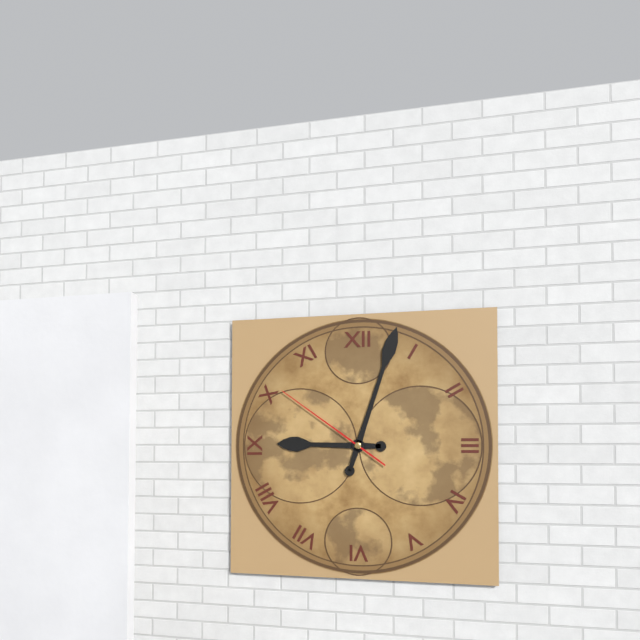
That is 9:03:51
